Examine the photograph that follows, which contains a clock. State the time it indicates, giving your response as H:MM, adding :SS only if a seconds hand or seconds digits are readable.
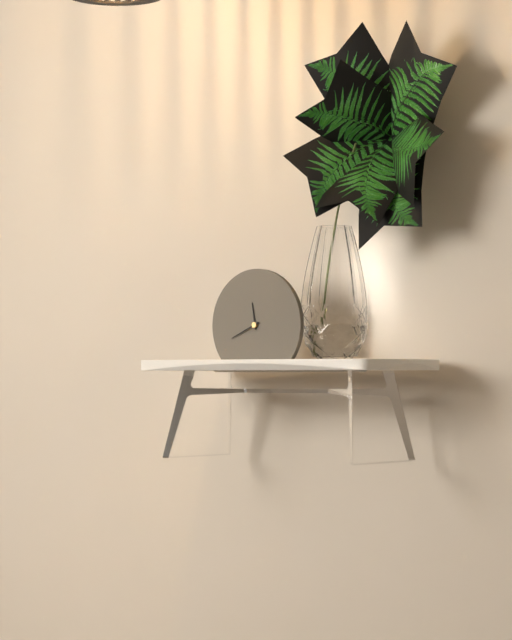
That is 11:41
